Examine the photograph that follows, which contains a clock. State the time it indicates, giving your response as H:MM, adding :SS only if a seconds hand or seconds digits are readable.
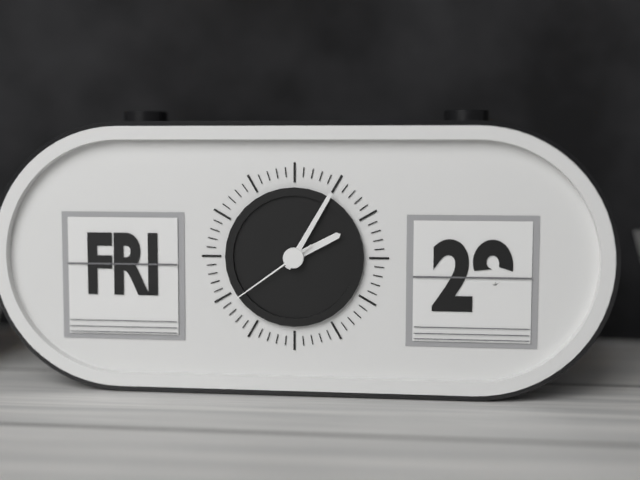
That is 2:05:39
